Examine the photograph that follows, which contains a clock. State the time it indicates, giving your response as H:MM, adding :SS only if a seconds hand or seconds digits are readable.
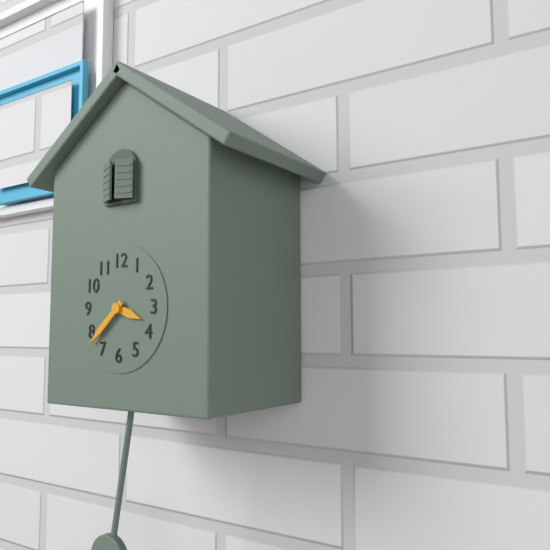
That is 3:38
